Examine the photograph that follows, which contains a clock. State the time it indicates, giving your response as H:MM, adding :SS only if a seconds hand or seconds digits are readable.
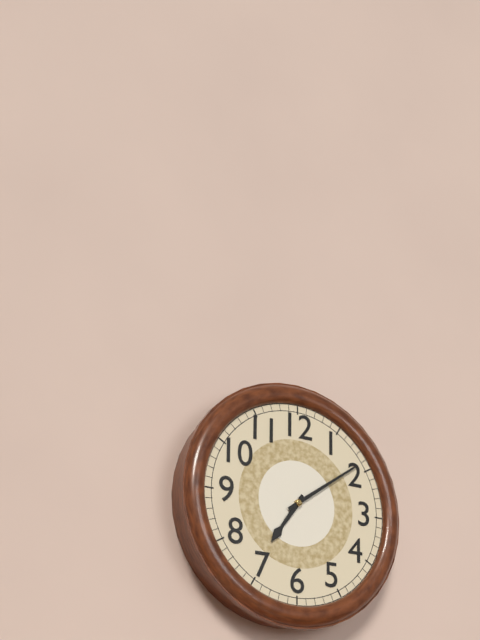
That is 7:09
